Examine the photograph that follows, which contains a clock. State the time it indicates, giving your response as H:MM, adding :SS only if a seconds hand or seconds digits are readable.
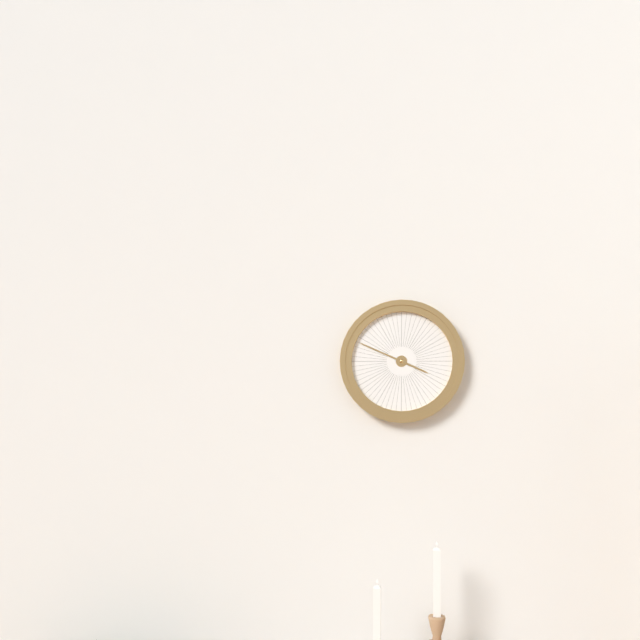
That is 3:49
